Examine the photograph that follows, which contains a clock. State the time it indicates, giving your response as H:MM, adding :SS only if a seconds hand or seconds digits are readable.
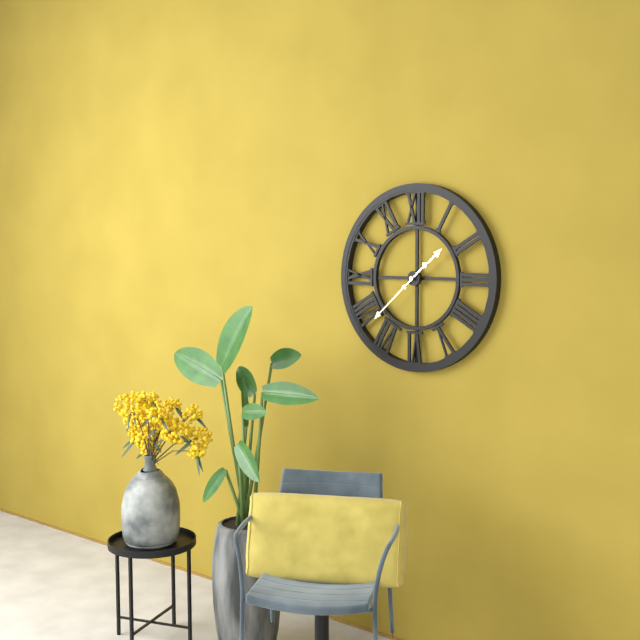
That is 1:38
